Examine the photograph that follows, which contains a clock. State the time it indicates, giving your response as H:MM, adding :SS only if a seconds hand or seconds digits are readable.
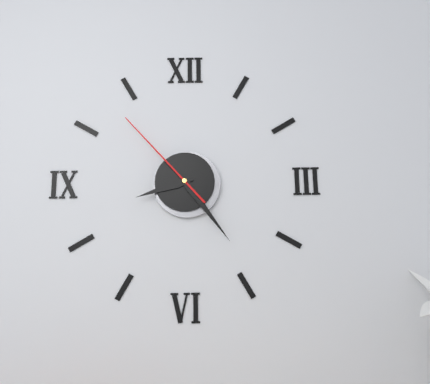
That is 8:24:53
